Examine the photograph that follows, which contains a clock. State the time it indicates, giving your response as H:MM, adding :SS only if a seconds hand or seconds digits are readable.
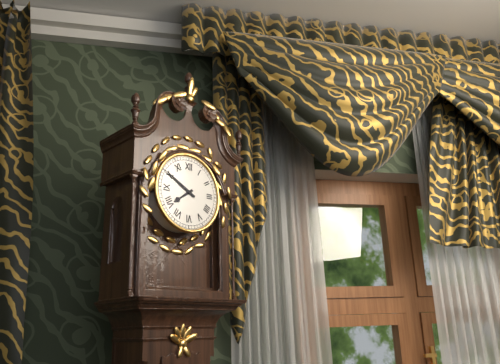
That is 7:50
